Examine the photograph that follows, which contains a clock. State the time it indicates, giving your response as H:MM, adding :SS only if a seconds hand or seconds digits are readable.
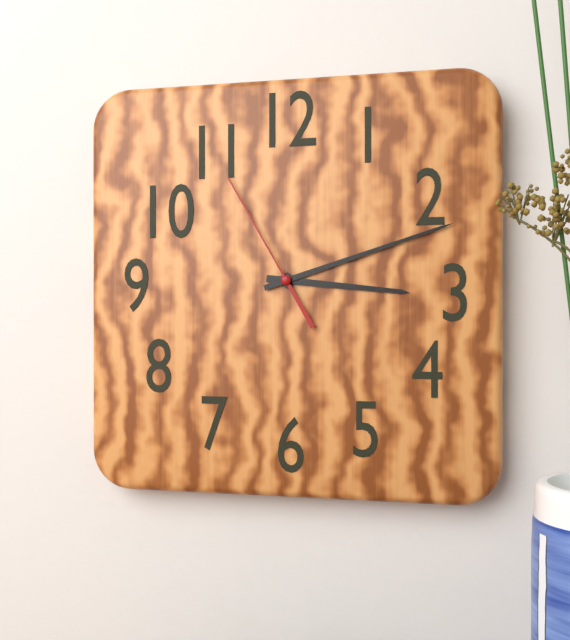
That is 3:12:55
